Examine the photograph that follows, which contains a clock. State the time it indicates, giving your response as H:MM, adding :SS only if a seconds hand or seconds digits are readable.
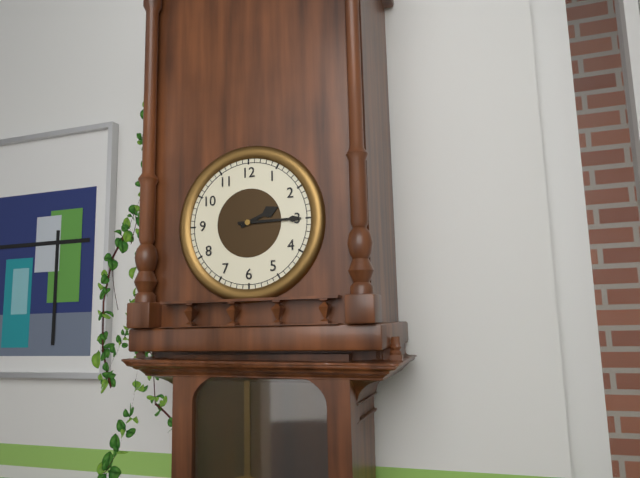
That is 2:15
